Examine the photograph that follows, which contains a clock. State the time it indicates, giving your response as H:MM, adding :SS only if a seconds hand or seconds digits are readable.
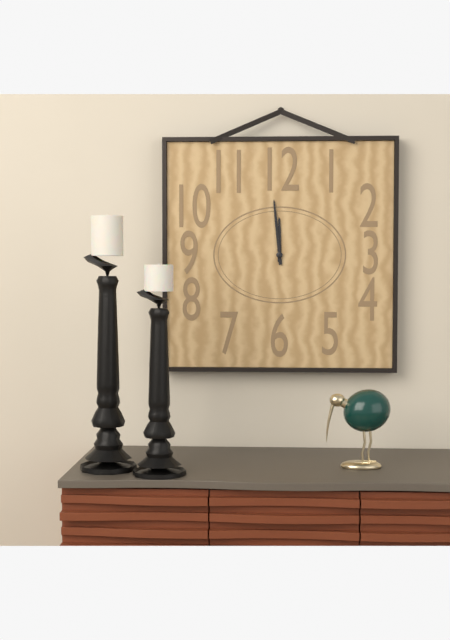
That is 11:59
